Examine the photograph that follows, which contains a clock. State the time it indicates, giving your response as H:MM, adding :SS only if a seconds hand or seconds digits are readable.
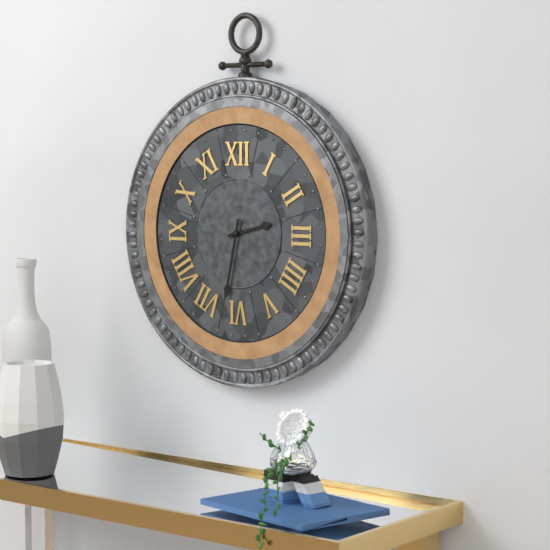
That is 2:32
